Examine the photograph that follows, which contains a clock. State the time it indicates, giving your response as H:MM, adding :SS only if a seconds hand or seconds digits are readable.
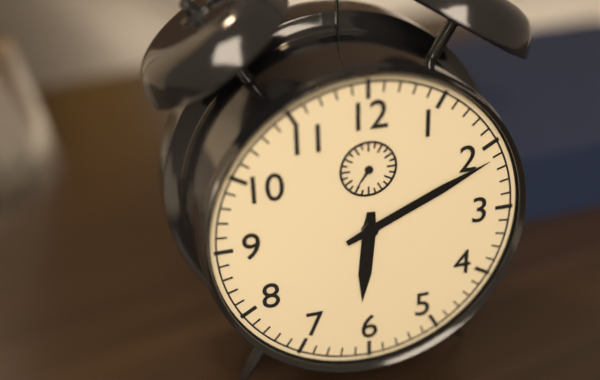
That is 6:11
